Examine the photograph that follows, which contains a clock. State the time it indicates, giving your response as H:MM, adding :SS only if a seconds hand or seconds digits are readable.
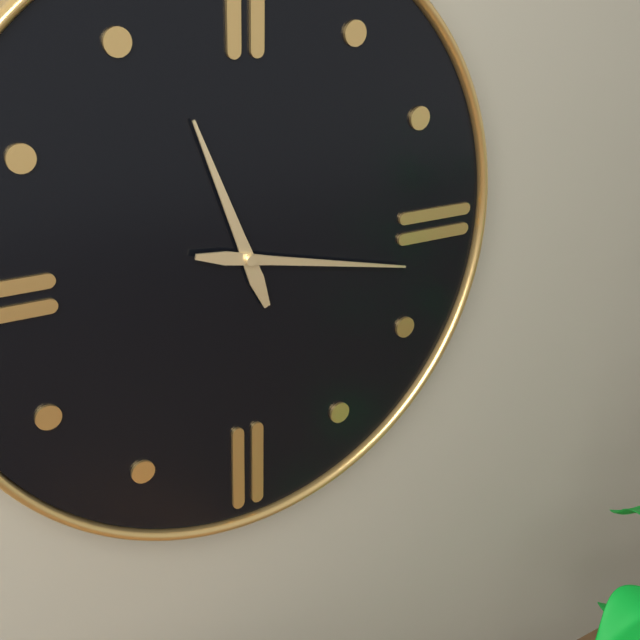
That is 11:17
